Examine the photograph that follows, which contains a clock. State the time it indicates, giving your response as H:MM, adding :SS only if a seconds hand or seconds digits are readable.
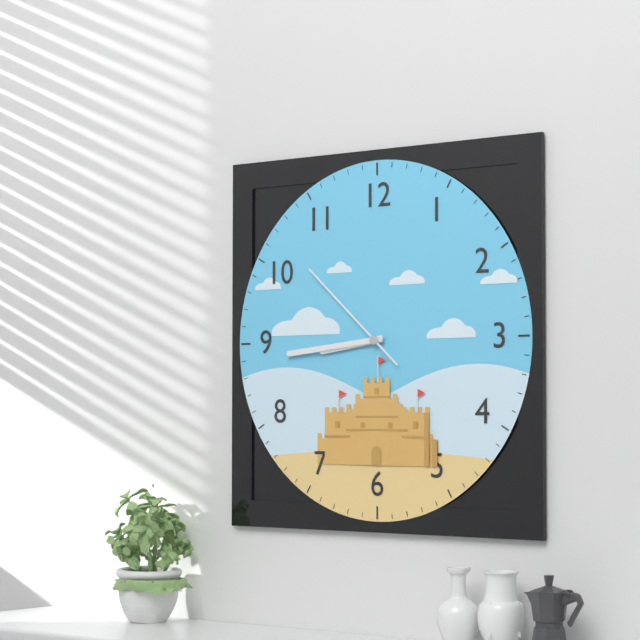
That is 8:44:52
